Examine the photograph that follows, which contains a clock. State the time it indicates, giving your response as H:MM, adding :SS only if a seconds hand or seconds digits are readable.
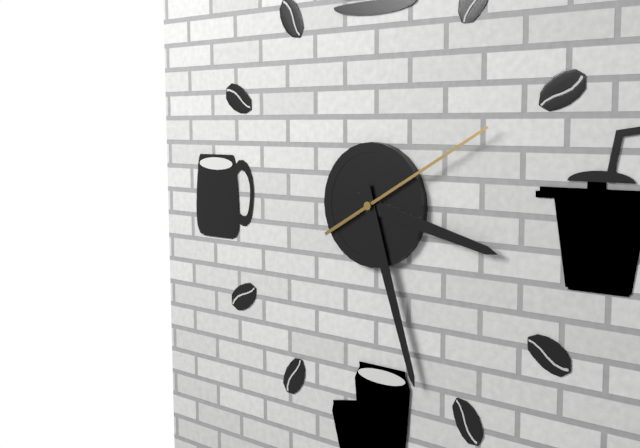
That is 3:27:10
